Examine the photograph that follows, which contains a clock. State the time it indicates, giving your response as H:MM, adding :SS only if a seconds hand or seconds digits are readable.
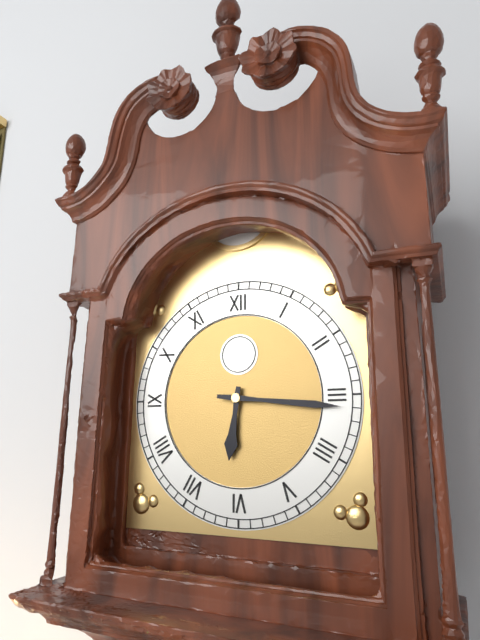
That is 6:16
